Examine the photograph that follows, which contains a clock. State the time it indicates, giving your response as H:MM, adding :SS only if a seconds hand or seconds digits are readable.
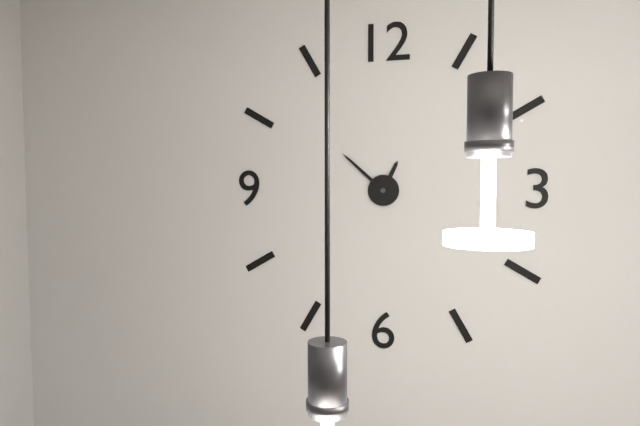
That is 12:52
